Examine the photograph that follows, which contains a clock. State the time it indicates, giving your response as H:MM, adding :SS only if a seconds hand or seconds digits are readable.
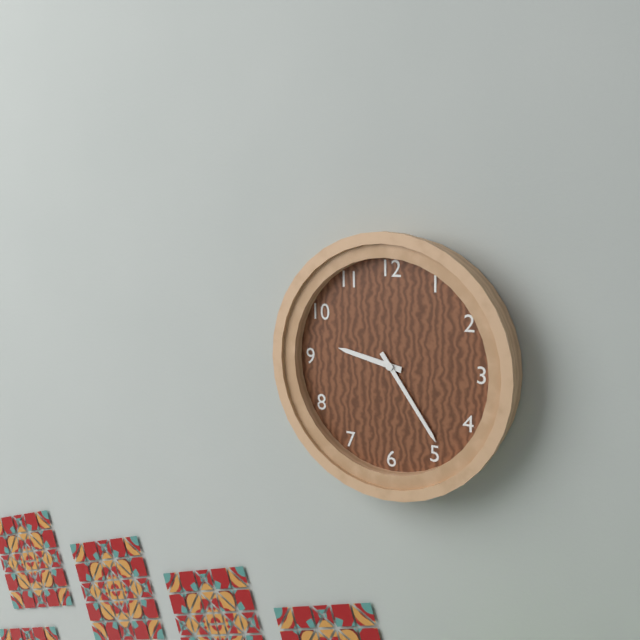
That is 9:24
